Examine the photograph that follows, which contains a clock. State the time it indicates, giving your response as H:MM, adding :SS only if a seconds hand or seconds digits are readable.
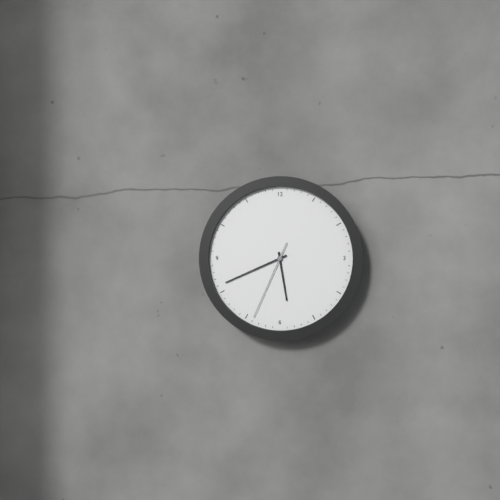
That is 5:41:34
